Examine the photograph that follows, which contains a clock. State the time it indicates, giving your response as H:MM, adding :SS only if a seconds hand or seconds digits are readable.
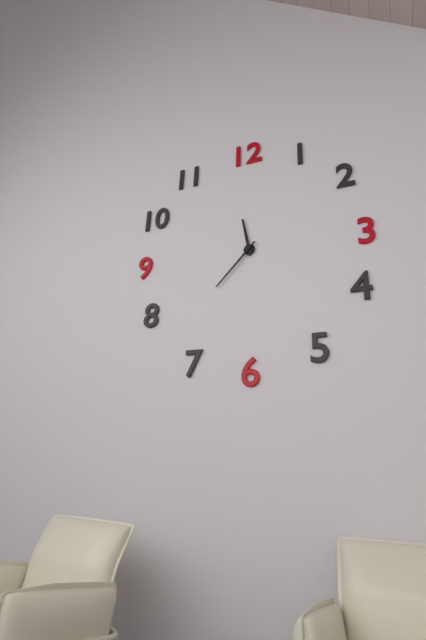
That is 11:37
